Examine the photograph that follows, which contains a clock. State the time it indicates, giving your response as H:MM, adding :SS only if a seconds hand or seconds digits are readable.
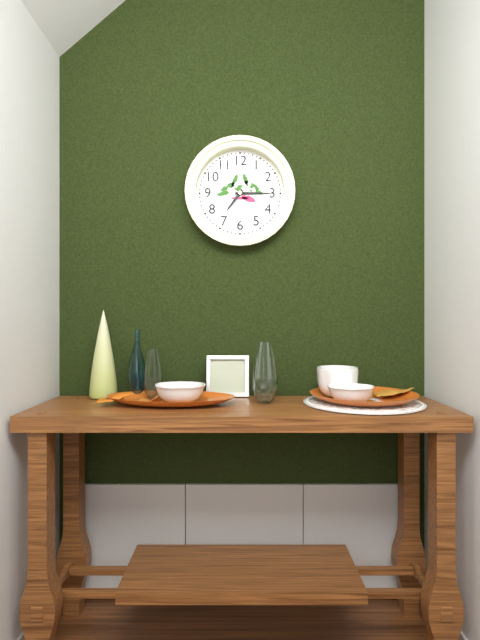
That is 7:15
